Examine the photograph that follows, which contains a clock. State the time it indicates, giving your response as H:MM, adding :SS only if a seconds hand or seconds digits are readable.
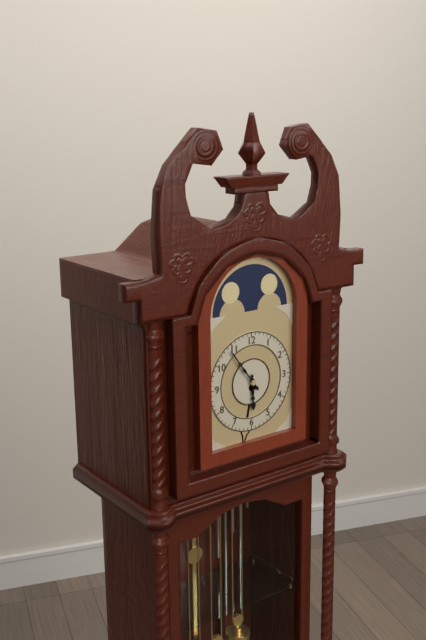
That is 5:54
